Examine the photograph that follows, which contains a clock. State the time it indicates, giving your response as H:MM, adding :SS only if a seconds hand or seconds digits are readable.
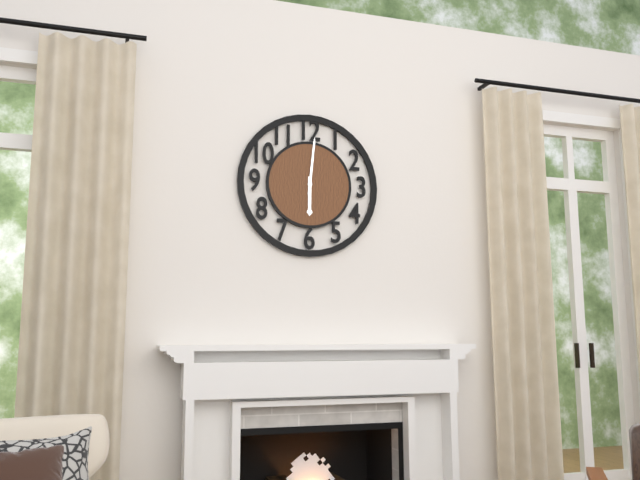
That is 6:01
